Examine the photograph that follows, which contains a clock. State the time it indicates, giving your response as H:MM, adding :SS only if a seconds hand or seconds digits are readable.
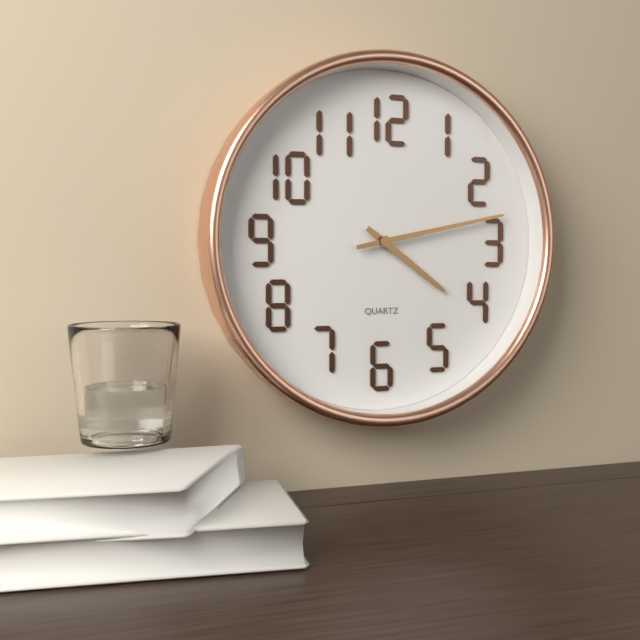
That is 4:13
